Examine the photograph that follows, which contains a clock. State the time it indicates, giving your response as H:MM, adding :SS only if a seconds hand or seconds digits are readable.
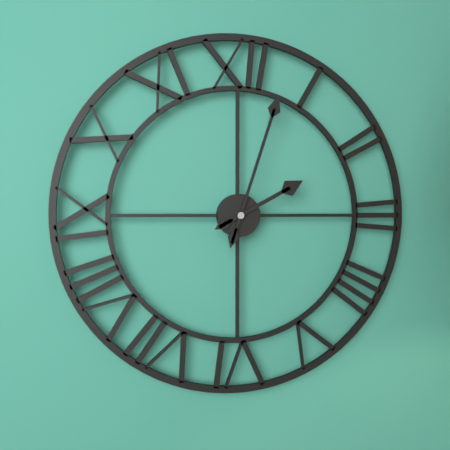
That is 2:03
